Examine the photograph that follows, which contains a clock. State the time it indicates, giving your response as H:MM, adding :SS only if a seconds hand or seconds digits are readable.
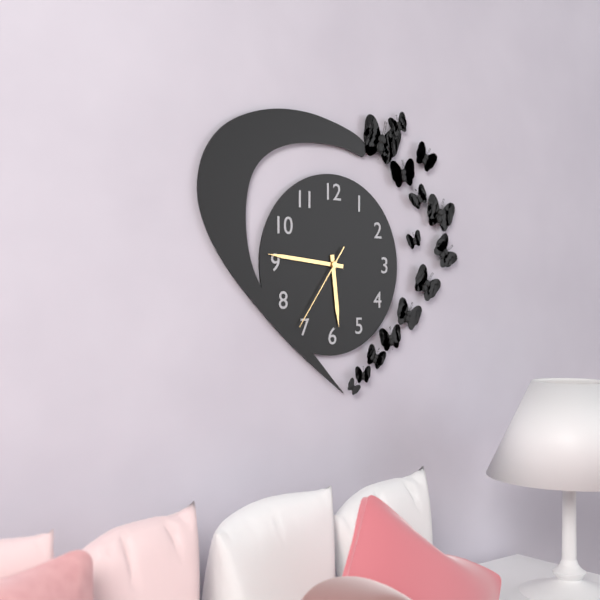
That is 5:46:36
